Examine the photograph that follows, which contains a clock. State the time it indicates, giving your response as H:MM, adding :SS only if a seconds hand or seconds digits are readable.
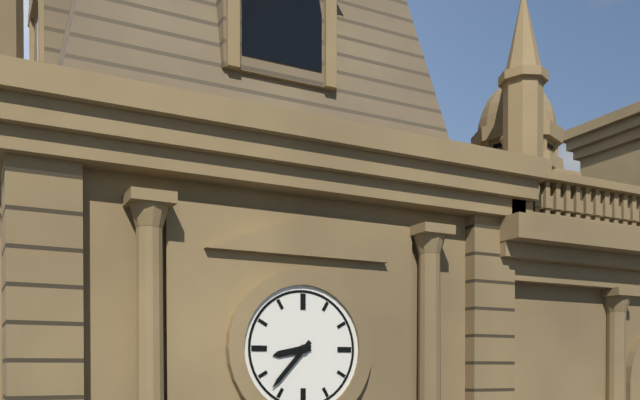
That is 8:37
